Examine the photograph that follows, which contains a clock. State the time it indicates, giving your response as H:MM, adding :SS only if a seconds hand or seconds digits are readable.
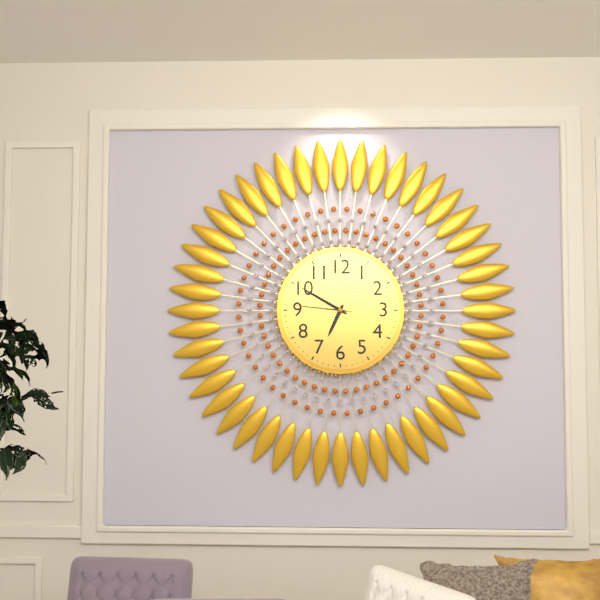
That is 6:50:46
